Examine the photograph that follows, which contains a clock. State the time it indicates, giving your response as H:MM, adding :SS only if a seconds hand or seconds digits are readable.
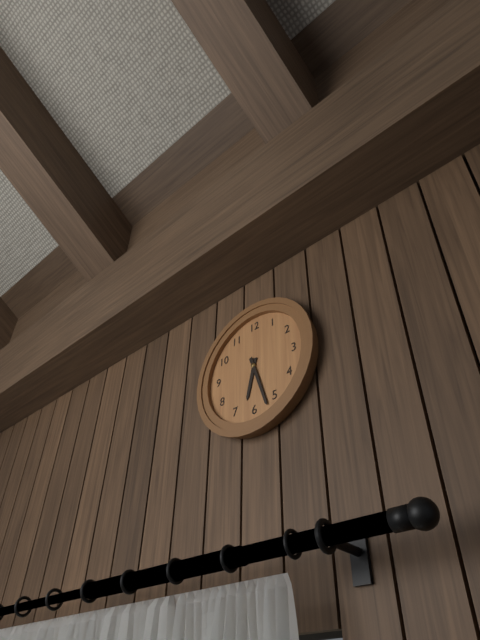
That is 6:27
